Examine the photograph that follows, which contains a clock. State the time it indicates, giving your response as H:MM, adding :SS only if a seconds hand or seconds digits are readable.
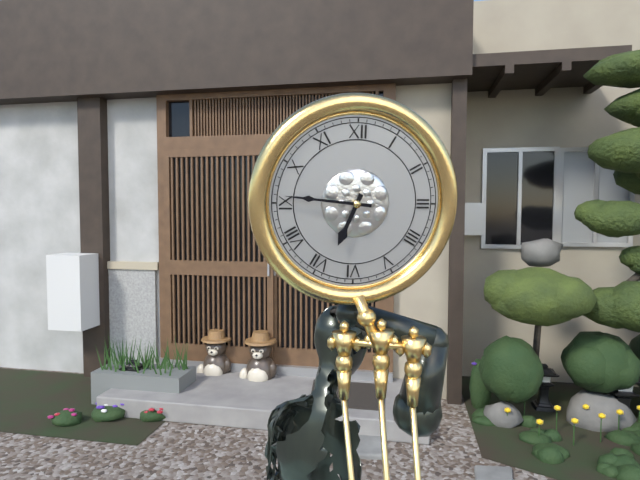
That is 6:46
